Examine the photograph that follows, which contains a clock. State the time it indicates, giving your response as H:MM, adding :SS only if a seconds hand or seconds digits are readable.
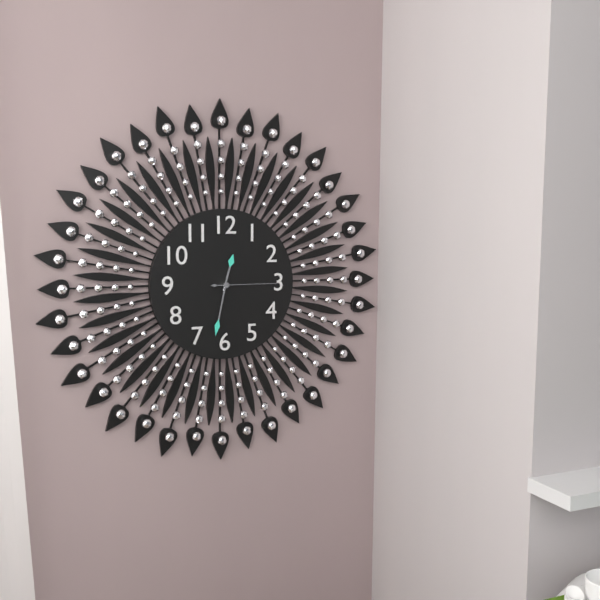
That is 12:32:15
